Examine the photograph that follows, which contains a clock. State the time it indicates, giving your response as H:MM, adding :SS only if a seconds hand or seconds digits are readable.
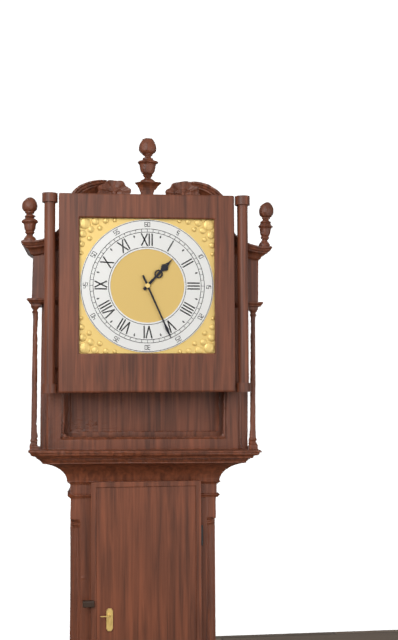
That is 1:26
